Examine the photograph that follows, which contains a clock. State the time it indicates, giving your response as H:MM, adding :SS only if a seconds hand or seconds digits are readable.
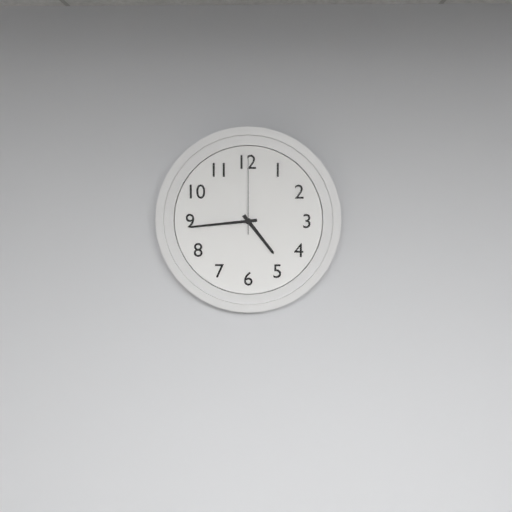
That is 4:44:00
